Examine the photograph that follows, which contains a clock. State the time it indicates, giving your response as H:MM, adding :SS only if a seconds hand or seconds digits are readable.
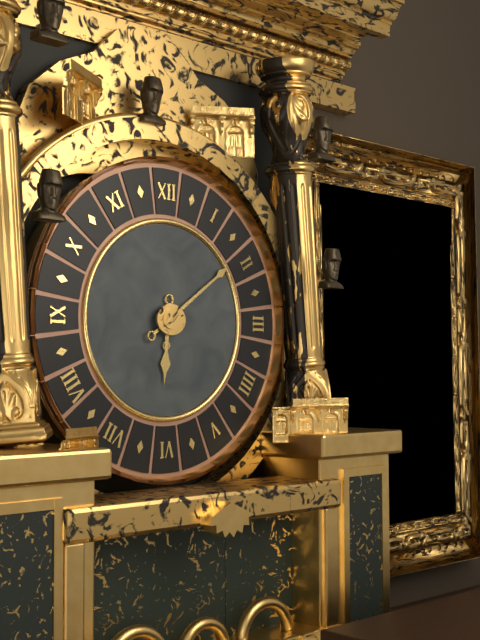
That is 6:09
